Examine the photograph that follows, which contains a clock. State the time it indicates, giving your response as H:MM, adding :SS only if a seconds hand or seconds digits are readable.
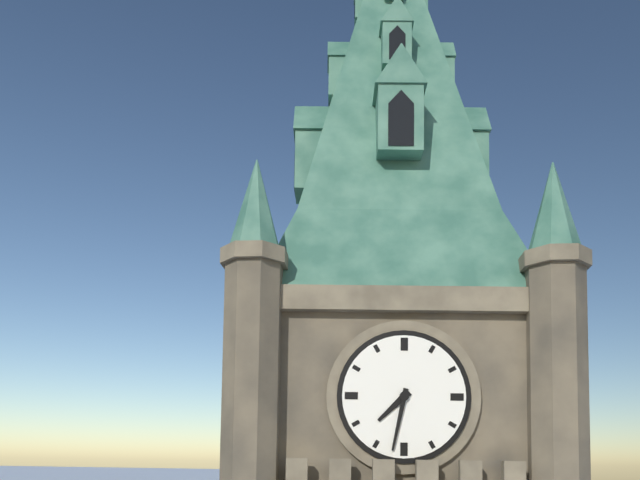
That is 7:32
